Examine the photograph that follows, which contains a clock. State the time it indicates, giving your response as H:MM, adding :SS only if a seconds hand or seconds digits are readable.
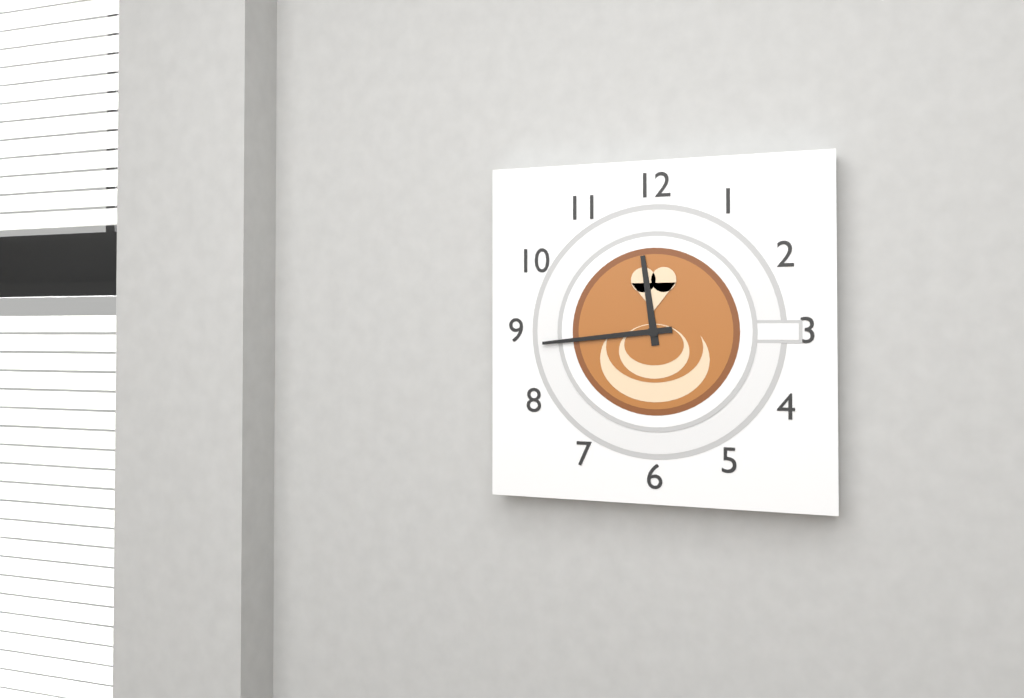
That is 11:44
